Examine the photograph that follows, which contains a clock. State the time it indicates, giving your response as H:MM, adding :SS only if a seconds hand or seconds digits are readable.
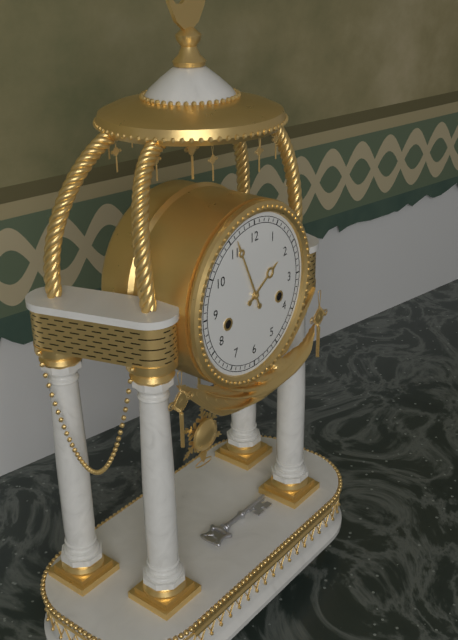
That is 1:56
